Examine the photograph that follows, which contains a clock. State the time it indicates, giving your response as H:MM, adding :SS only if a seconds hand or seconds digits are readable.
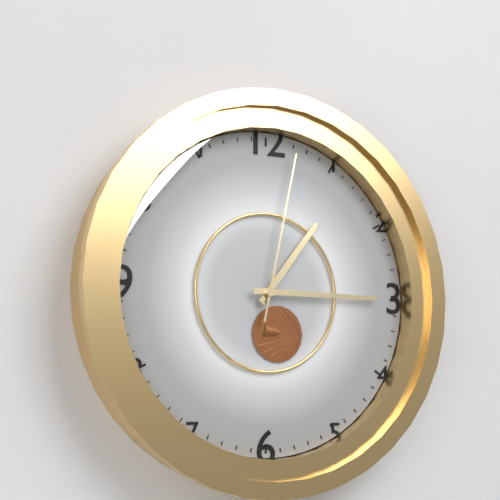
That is 1:15:02
